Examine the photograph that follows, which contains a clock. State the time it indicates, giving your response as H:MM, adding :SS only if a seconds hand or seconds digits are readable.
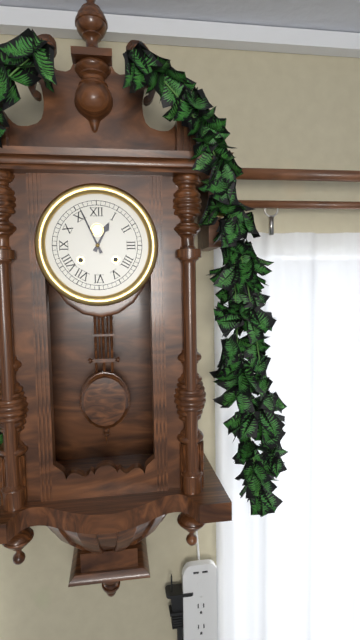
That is 12:56
